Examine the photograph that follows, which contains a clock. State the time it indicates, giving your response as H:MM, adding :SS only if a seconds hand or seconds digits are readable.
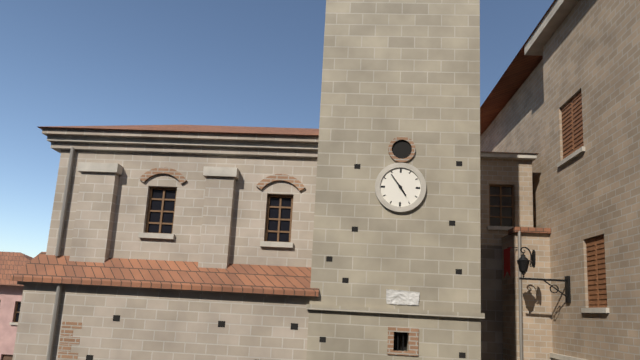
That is 4:54
